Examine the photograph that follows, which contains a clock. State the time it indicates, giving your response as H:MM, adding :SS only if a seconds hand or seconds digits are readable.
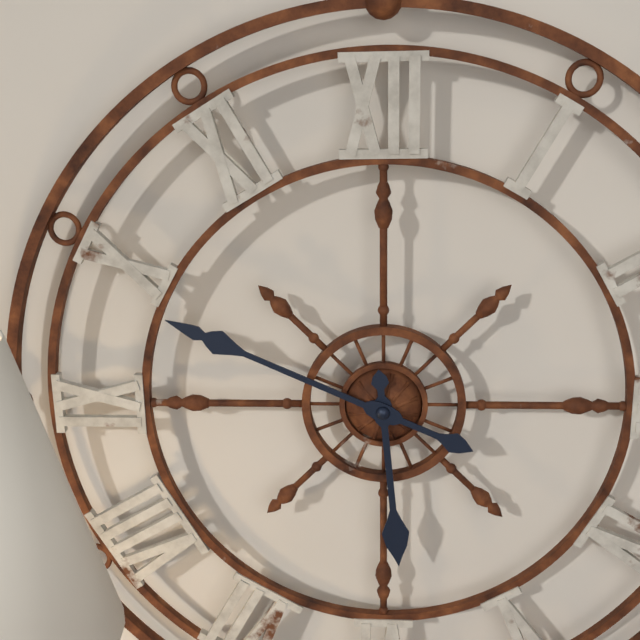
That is 5:49
